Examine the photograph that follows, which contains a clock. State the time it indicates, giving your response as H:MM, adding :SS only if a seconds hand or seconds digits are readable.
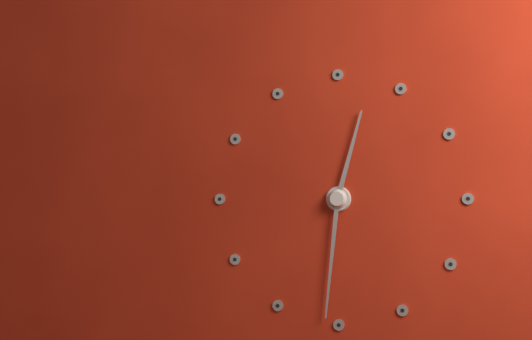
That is 12:31
